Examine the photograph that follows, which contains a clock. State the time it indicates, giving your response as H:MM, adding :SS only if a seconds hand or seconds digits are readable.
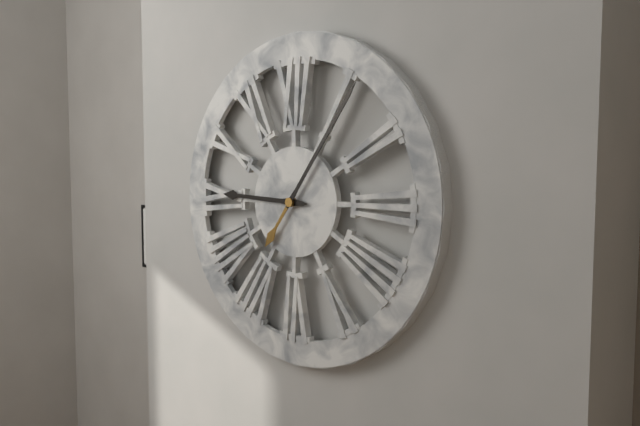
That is 9:06
